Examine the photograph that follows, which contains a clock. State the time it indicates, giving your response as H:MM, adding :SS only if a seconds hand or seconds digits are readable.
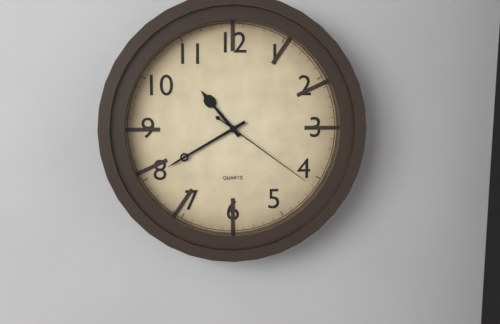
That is 10:40:21
